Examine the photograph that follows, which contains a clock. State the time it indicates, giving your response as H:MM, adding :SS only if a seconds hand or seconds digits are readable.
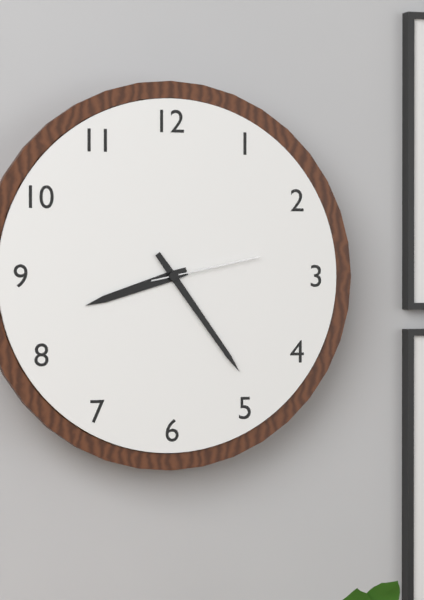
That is 8:24:13
